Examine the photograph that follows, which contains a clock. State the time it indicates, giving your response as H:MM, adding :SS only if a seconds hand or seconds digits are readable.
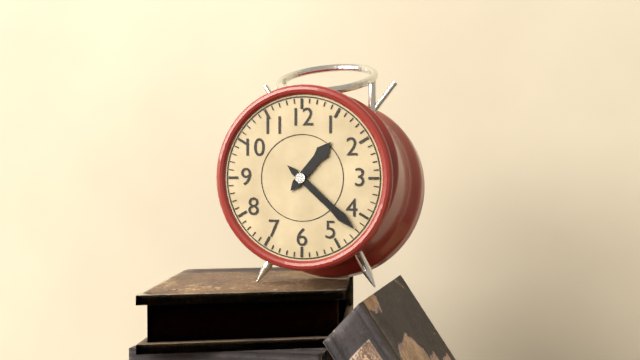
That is 1:22
